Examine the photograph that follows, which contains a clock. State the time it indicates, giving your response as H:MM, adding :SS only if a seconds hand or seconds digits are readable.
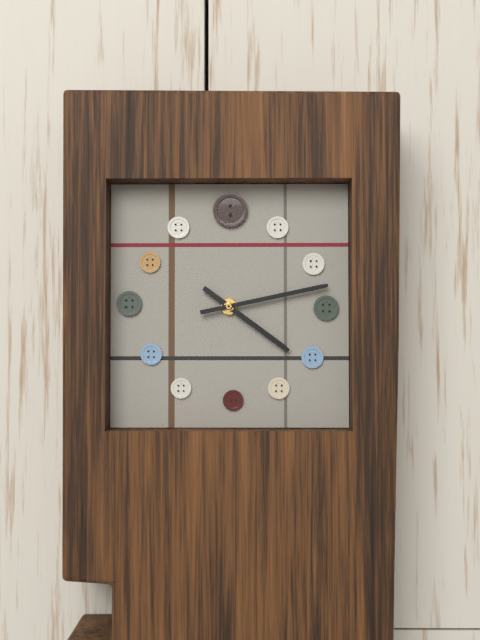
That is 4:13
